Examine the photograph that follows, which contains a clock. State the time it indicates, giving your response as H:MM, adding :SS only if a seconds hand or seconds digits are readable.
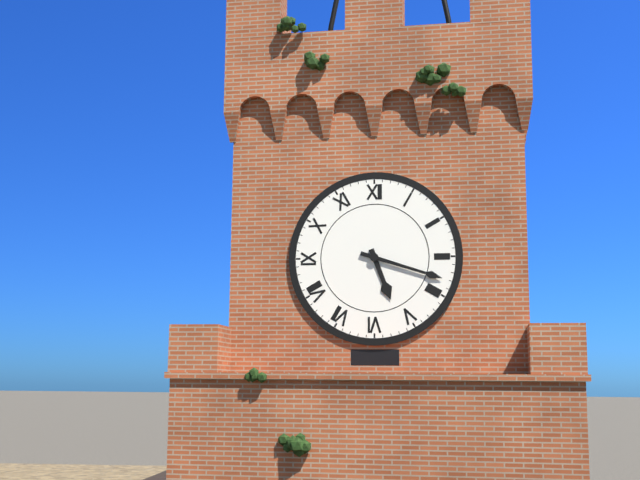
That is 5:18
